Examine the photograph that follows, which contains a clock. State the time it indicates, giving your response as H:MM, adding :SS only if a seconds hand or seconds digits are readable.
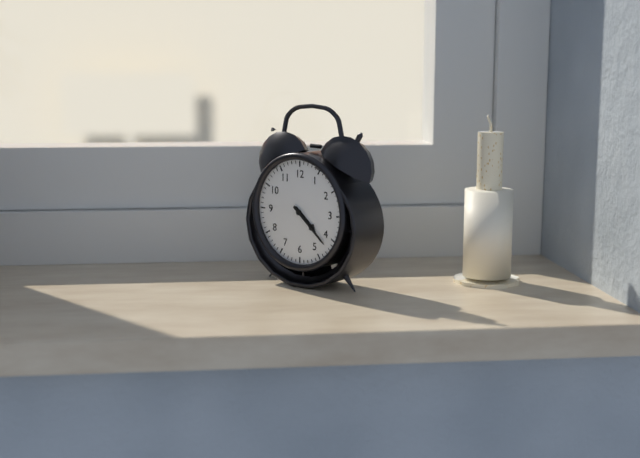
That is 4:22
